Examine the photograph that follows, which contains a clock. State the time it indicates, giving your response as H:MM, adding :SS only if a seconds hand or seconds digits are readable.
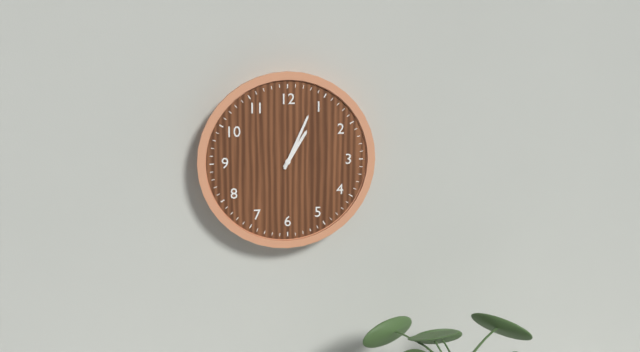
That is 1:04
